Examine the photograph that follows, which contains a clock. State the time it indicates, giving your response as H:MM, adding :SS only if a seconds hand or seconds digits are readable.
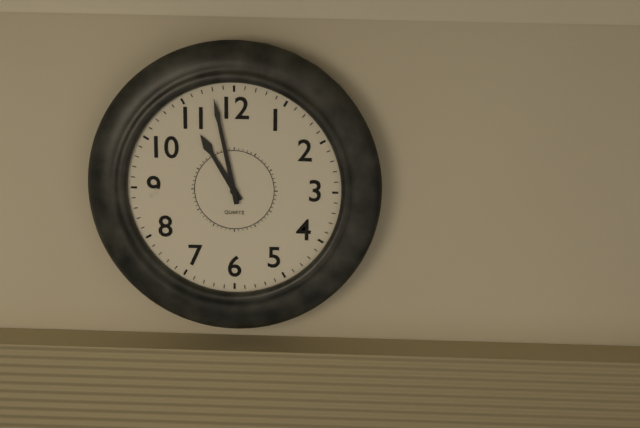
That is 10:58
